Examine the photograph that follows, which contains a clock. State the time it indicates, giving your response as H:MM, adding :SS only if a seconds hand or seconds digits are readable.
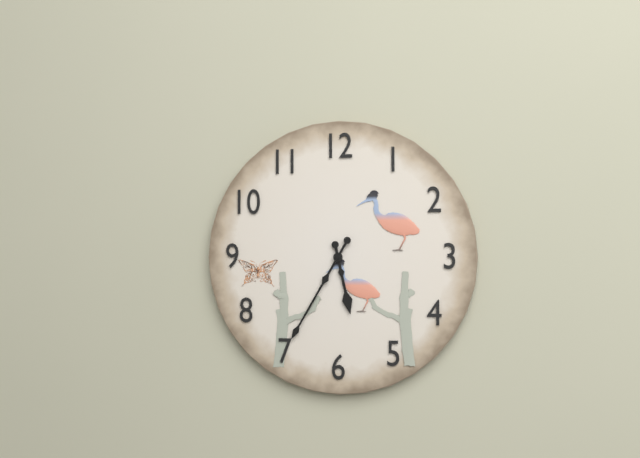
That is 5:35
